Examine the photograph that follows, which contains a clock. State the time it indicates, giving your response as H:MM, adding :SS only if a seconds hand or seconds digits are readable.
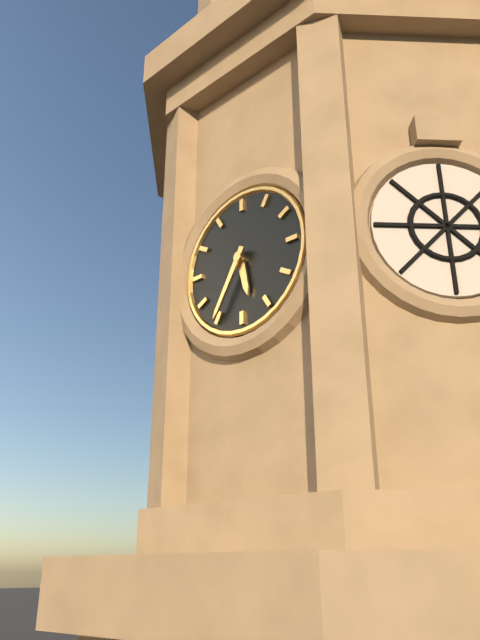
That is 5:35
